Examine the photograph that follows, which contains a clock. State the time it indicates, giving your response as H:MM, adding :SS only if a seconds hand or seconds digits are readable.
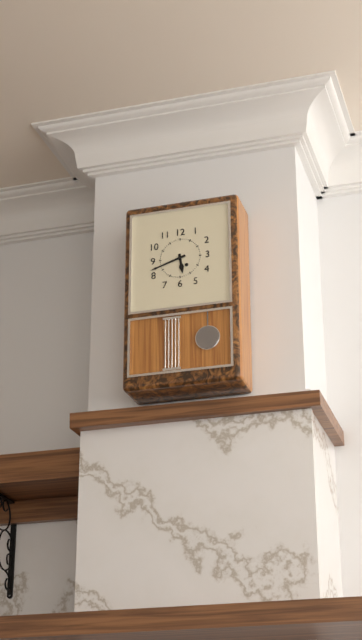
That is 5:42
